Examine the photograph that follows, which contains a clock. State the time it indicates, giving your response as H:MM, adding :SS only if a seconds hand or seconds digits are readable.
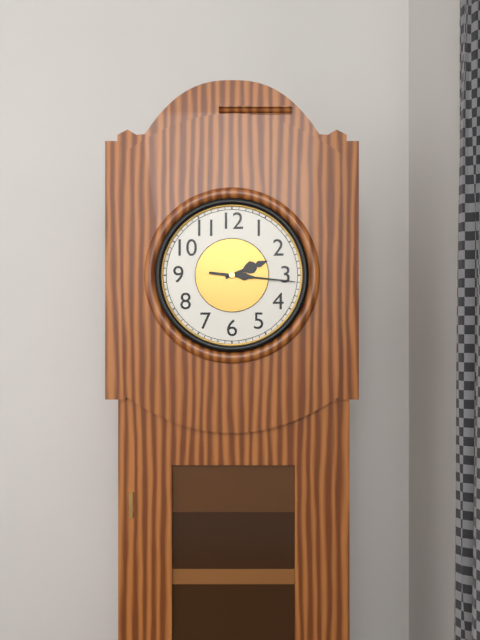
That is 2:16
